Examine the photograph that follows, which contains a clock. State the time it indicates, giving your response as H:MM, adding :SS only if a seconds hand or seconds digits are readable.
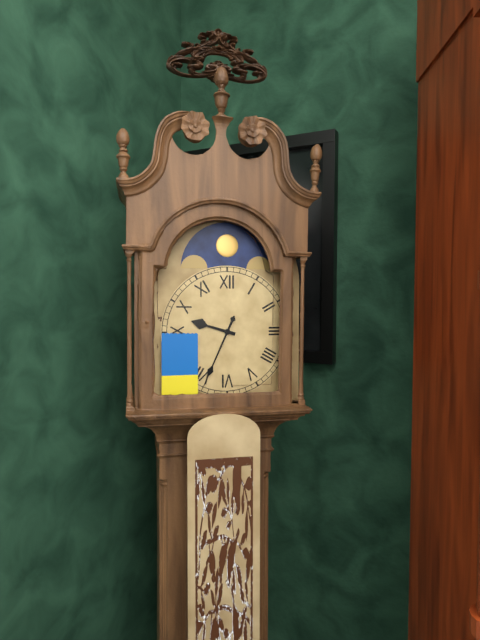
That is 9:34
